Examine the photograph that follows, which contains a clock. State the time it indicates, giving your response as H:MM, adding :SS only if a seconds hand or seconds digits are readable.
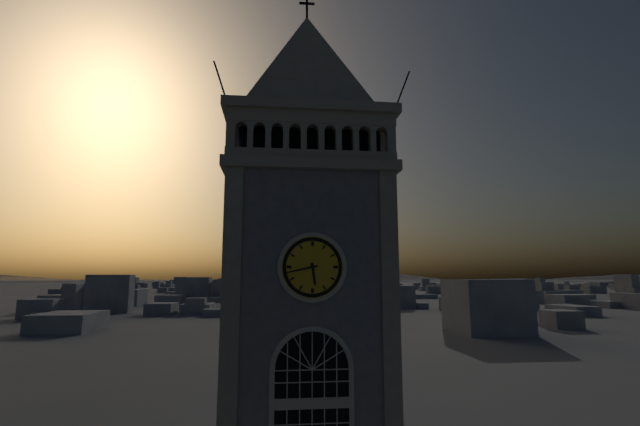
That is 5:43
